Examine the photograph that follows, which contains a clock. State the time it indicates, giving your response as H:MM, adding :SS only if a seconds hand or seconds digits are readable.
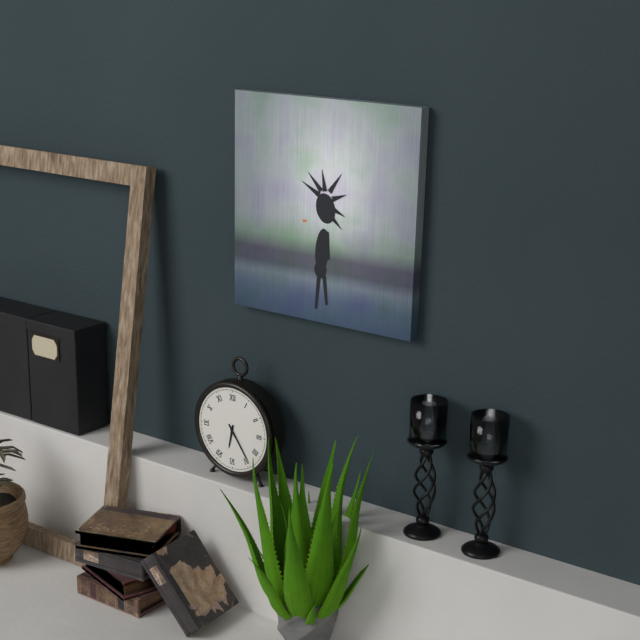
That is 6:24
